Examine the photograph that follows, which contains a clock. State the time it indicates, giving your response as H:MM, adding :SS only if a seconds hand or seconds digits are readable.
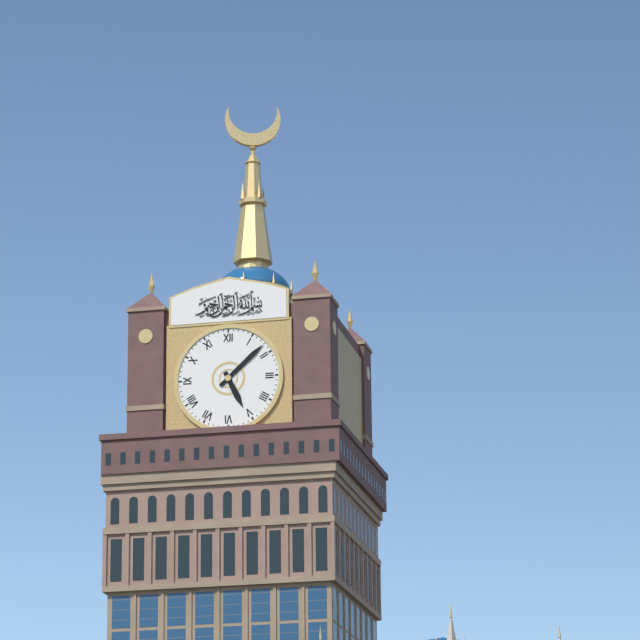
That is 5:08
